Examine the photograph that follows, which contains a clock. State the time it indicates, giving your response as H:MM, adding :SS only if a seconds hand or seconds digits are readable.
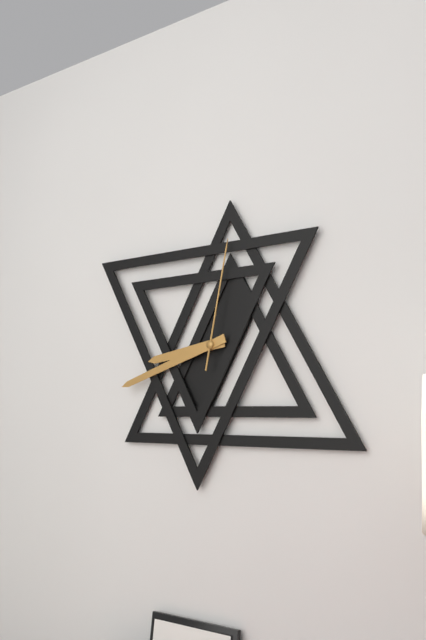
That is 8:42:02
